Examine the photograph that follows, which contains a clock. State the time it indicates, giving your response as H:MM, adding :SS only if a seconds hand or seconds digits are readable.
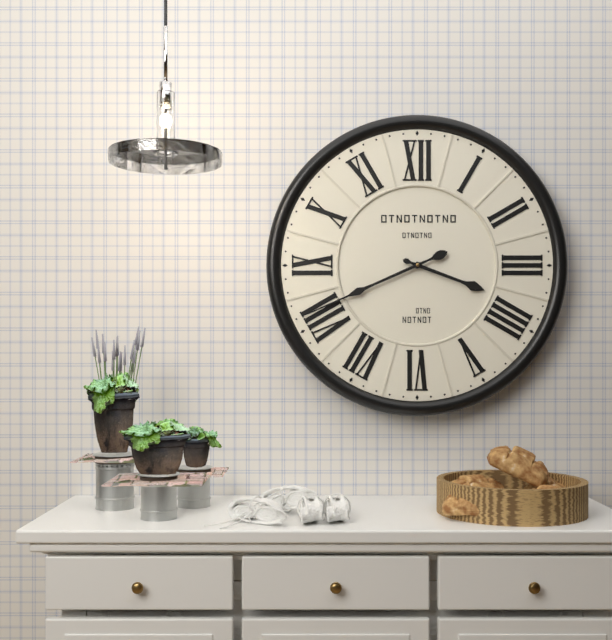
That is 3:41
